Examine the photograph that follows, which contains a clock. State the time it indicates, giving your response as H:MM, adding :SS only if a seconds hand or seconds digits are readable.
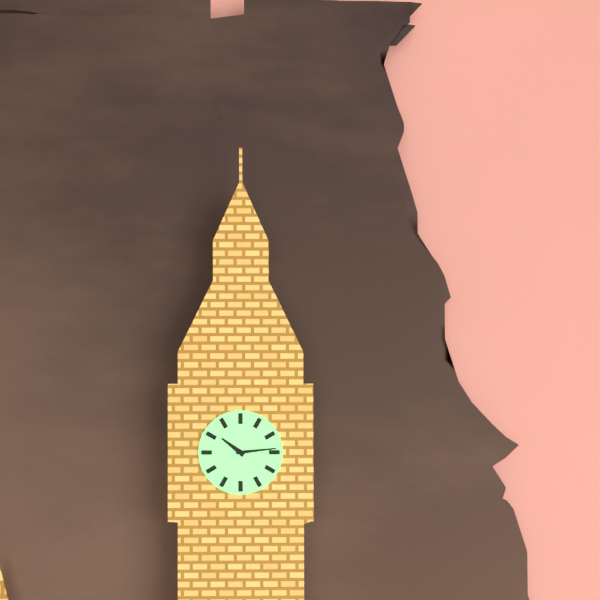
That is 10:14
